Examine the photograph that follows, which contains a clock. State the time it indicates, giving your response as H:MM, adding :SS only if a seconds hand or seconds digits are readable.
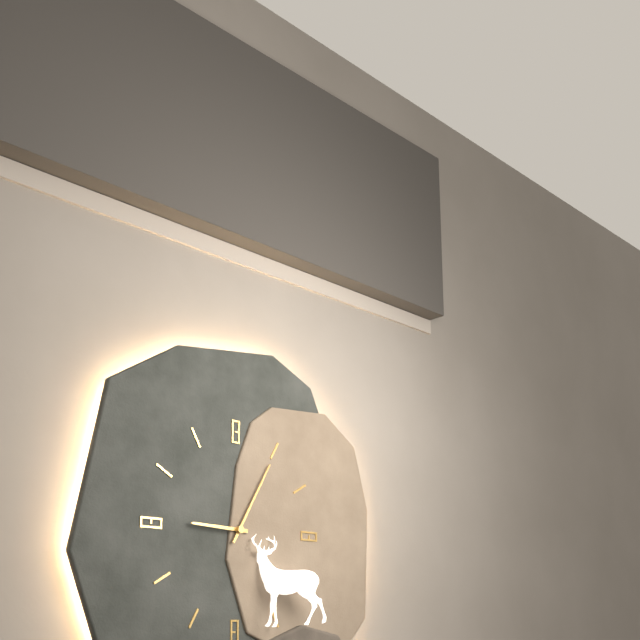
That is 9:05
